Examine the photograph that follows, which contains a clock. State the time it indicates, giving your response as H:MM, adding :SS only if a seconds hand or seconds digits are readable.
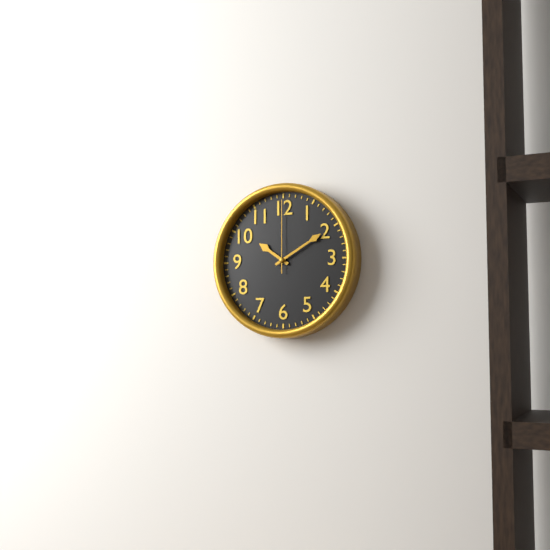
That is 10:10:00
